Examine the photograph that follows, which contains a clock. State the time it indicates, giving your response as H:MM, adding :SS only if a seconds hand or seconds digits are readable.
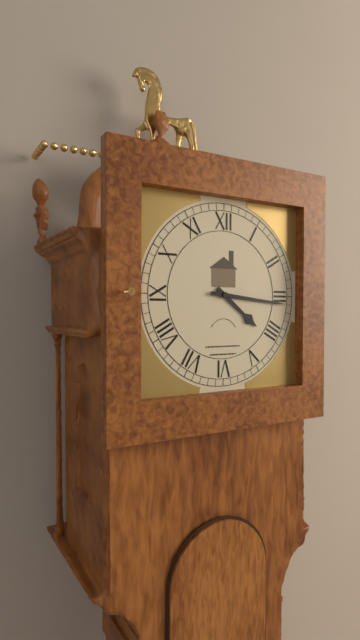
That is 4:16
